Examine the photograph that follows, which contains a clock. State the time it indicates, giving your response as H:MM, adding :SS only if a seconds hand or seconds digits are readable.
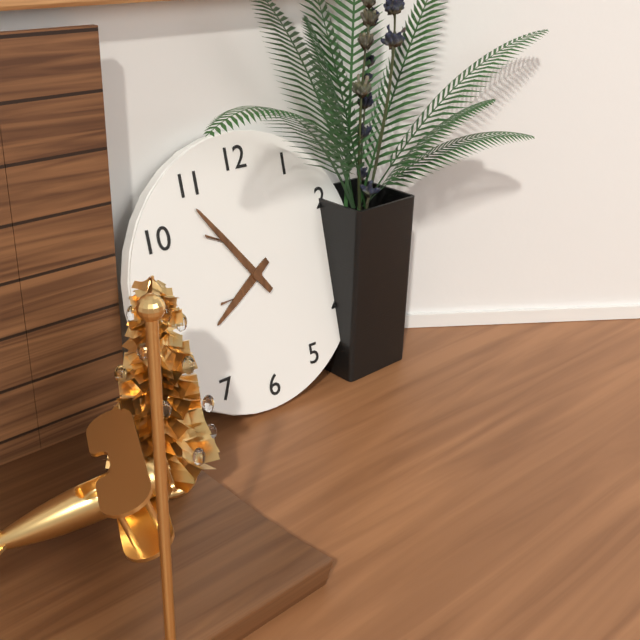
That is 7:54
